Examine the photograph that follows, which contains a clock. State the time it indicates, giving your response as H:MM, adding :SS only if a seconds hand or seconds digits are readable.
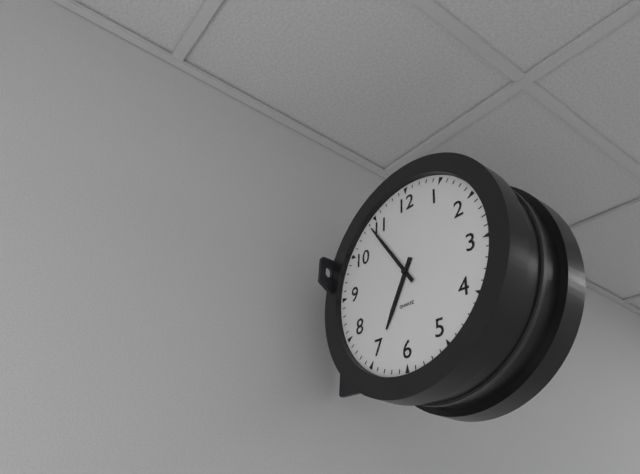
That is 6:54
